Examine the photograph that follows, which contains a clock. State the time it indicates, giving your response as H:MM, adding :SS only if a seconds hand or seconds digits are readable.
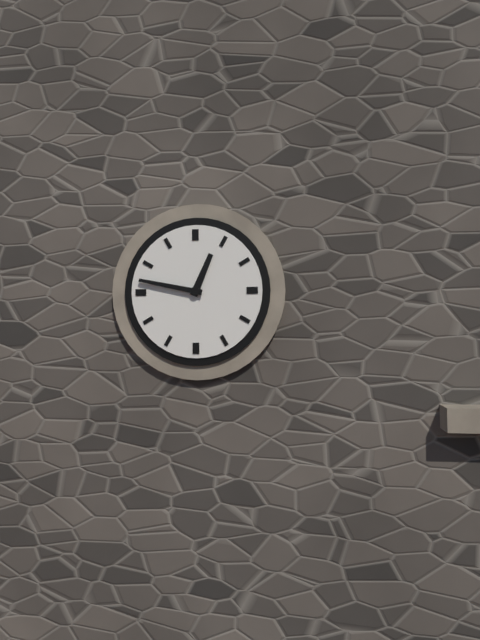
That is 12:47
